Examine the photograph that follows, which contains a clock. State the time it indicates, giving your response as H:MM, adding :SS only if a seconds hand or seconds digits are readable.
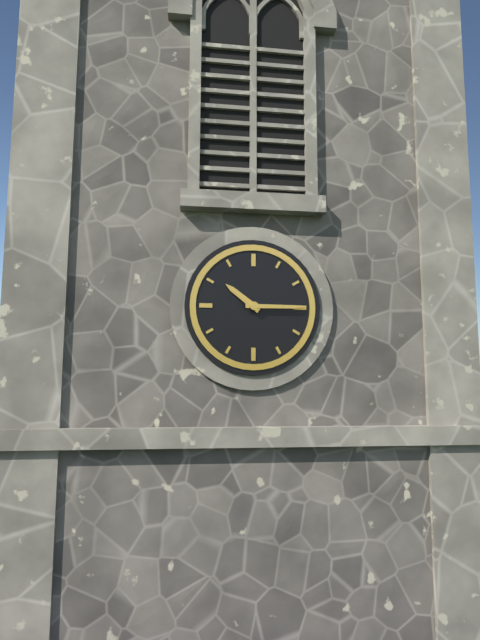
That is 10:15
